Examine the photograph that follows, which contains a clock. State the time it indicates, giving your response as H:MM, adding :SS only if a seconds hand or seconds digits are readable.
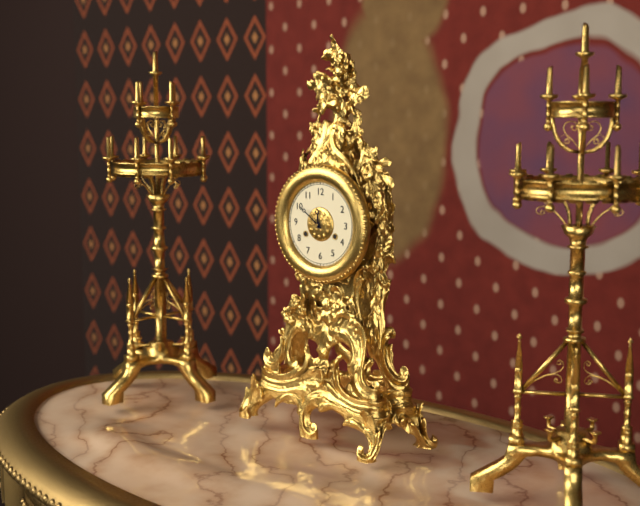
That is 11:51
